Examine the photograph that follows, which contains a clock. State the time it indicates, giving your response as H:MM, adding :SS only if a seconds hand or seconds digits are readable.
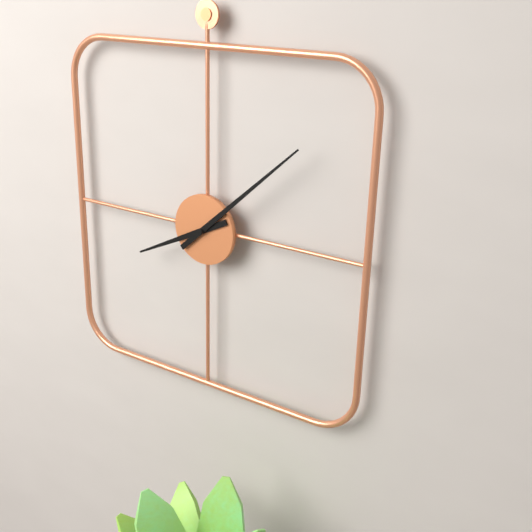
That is 8:08
